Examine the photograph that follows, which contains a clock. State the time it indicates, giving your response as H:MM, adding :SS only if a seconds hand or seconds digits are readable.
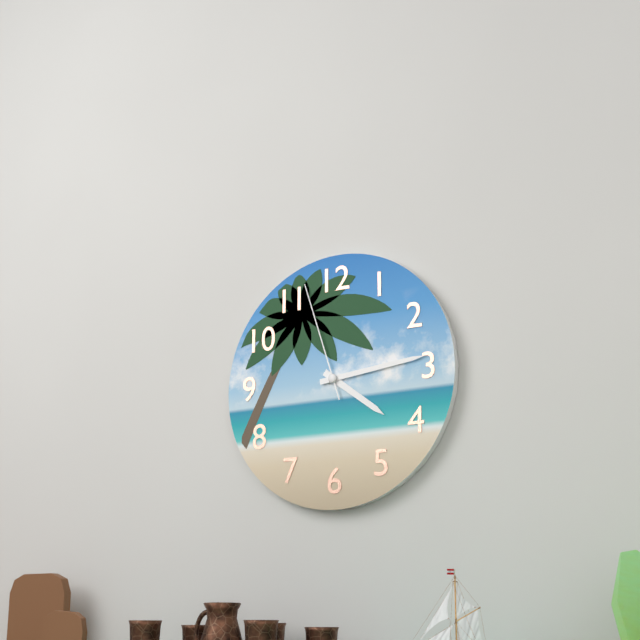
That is 4:14:57
